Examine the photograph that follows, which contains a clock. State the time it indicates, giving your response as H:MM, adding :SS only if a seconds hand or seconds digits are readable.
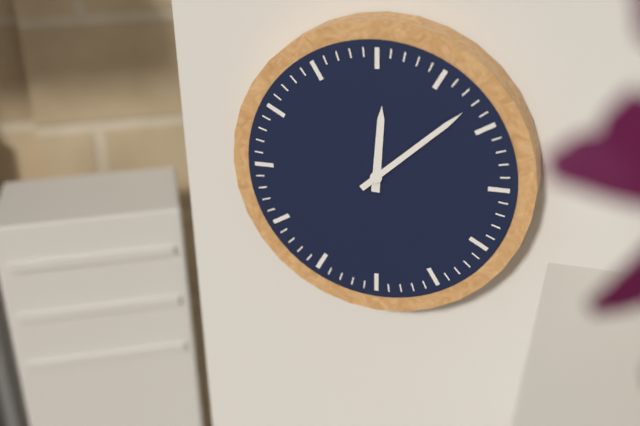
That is 12:08
